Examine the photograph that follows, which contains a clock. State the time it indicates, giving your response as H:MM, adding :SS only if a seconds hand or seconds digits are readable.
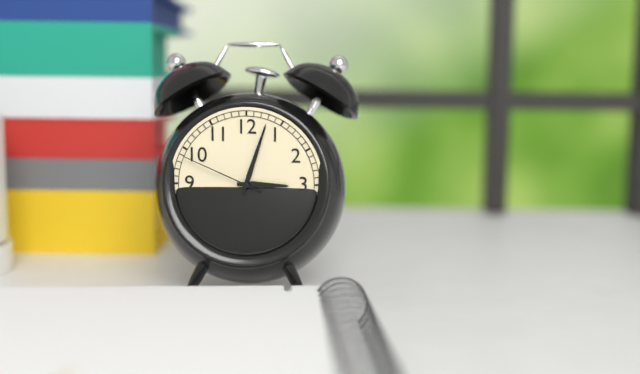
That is 3:03:49
